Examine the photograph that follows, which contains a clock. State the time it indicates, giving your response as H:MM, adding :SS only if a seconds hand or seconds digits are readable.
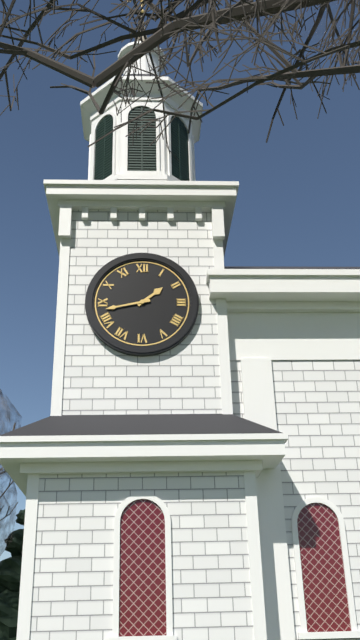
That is 1:43
